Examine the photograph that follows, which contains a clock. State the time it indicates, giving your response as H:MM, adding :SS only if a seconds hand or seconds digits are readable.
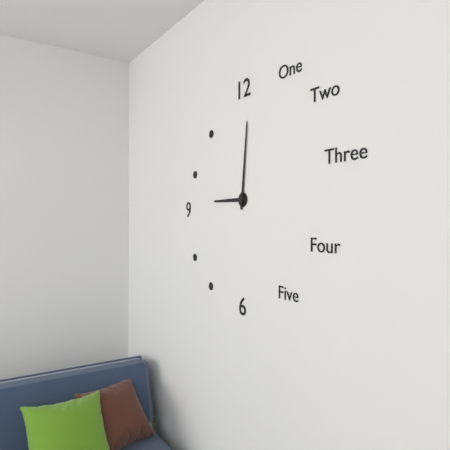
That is 9:01
